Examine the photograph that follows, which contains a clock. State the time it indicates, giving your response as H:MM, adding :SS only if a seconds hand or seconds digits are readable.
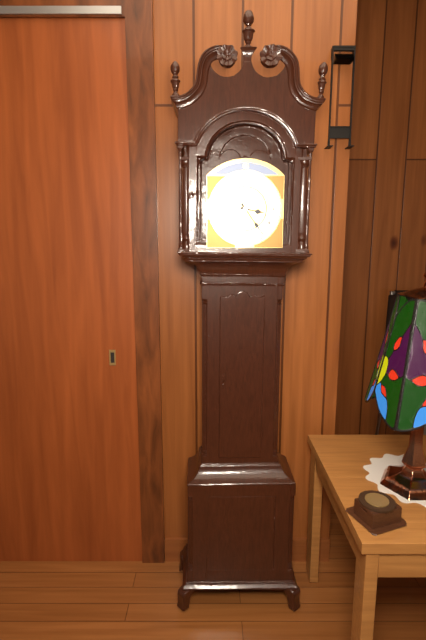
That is 3:24
